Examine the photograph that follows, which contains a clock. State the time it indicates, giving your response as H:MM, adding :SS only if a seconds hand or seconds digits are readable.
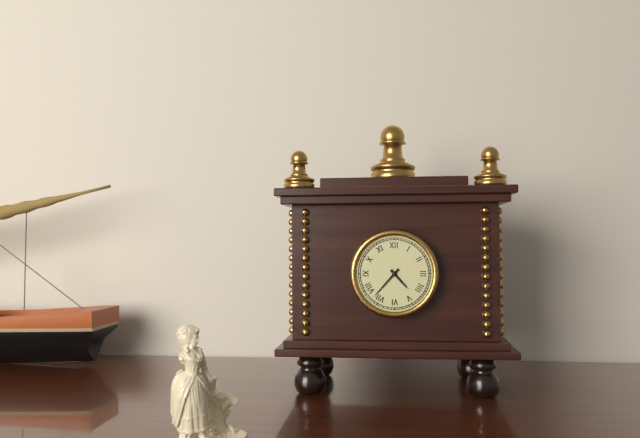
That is 4:37
